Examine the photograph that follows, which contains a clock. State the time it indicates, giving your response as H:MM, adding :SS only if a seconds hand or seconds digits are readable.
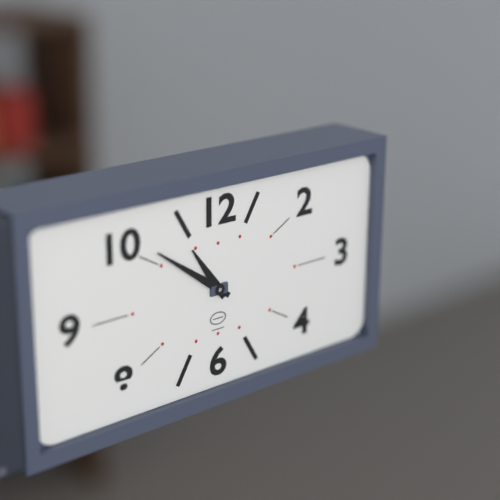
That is 10:51
